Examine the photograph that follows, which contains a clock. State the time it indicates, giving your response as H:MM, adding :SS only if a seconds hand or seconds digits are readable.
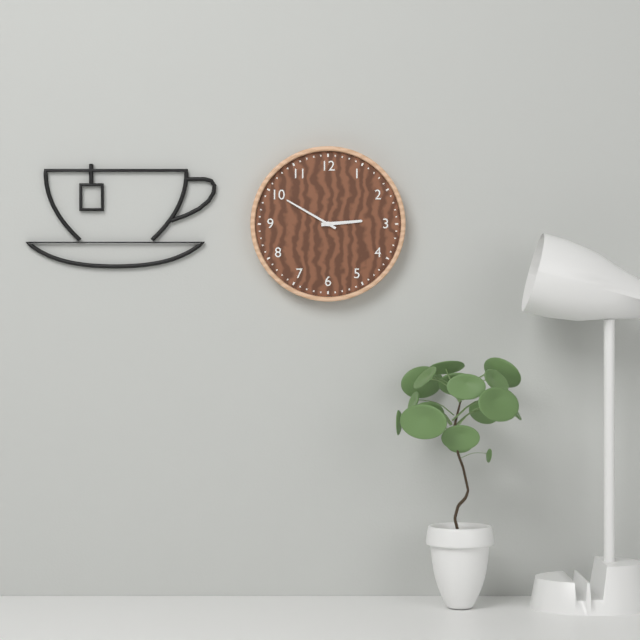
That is 2:50
